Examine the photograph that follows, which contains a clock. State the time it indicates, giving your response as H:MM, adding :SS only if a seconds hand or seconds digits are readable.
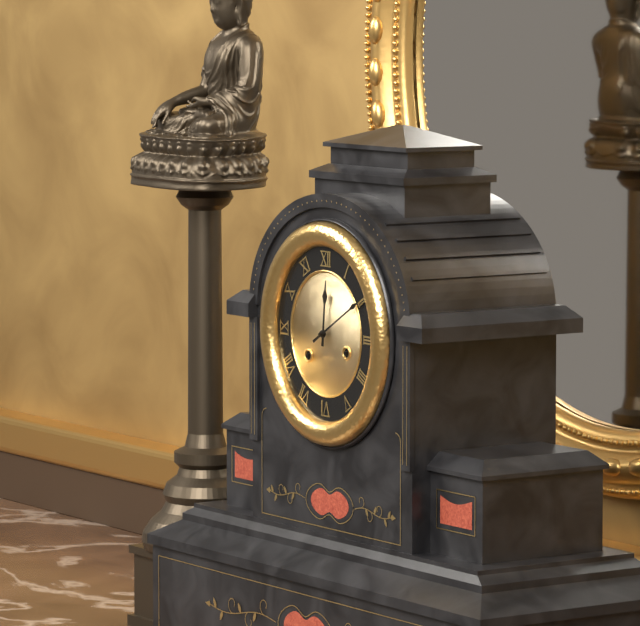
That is 12:10
